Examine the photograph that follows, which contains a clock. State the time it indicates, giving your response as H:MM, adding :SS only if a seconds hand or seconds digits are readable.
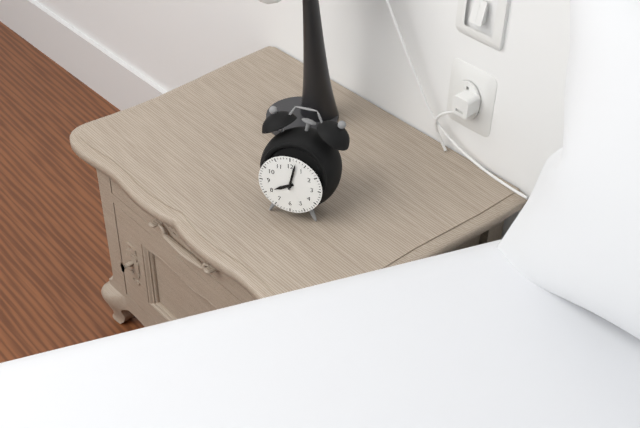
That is 8:02
